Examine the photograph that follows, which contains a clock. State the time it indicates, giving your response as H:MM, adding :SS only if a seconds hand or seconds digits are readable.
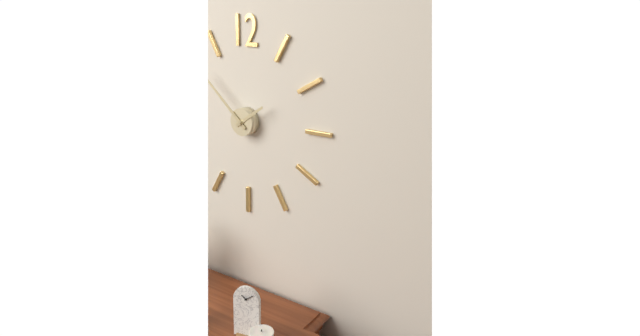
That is 1:52
